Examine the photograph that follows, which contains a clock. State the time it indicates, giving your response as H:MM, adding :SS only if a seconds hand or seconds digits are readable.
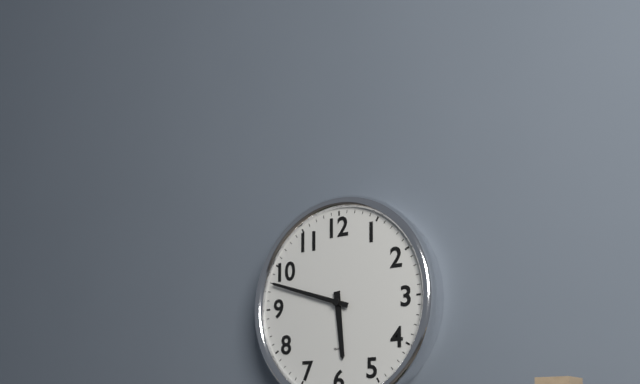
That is 5:48
